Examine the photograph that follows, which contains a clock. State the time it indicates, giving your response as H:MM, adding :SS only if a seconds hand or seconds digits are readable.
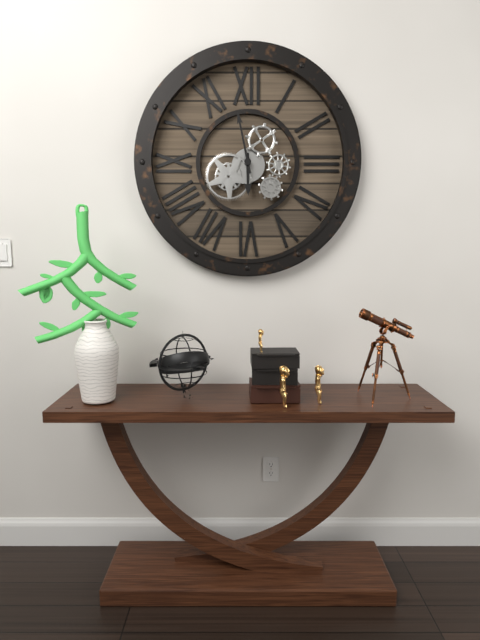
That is 5:58
